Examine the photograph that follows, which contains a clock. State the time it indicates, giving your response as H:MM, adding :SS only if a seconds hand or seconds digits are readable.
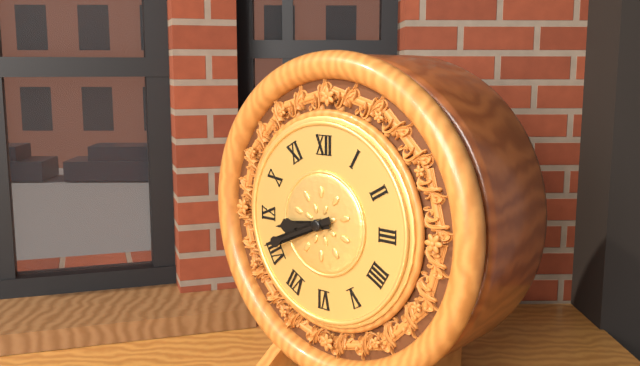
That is 8:41
